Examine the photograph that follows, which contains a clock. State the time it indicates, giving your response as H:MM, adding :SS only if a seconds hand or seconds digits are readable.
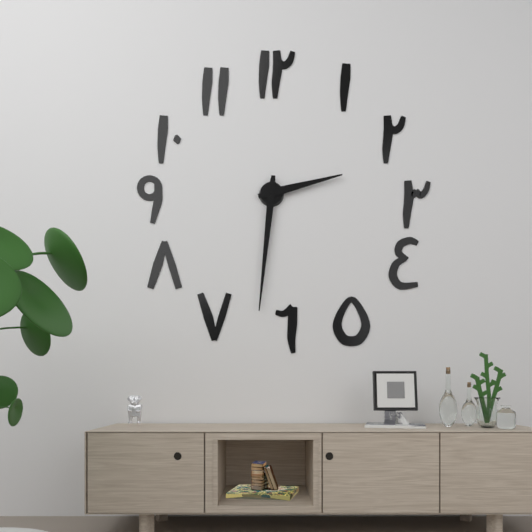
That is 2:31
